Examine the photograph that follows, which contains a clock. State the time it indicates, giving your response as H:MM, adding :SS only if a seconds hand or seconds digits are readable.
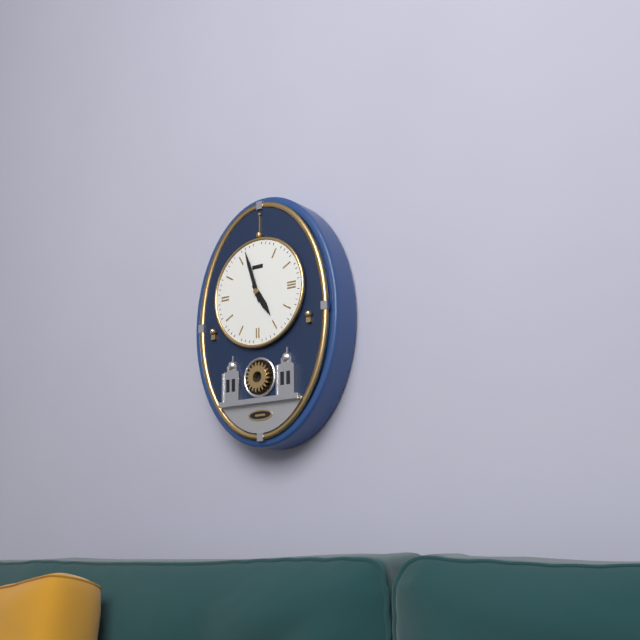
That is 4:57
